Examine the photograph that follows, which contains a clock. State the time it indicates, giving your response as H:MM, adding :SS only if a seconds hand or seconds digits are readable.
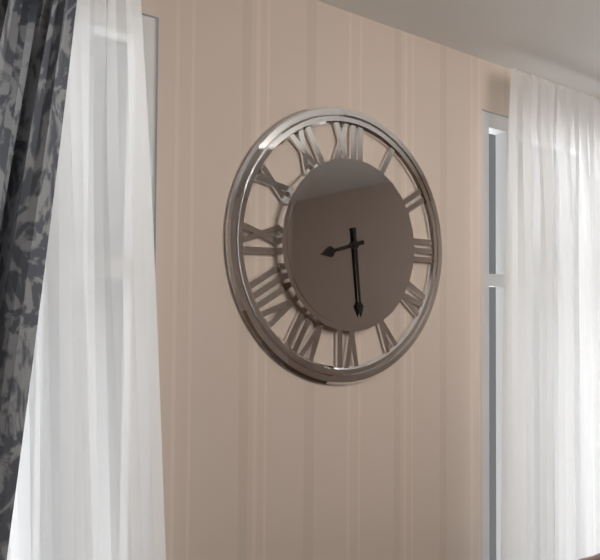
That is 8:29
